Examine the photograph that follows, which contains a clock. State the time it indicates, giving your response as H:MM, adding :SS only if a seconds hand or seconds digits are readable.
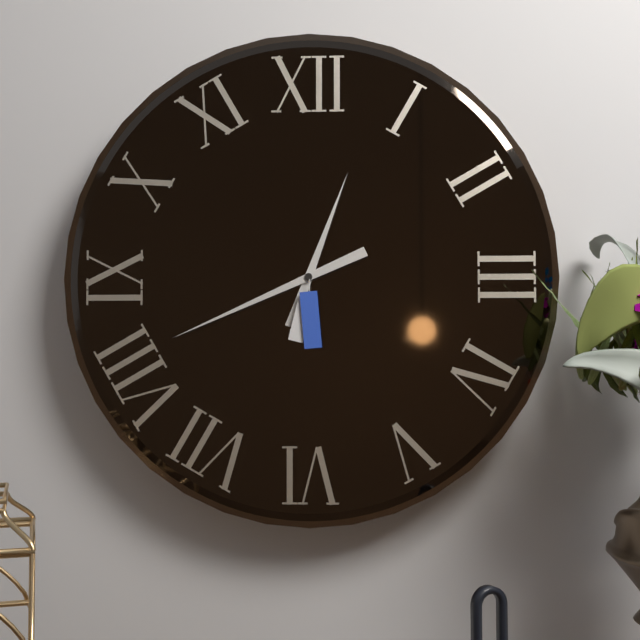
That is 12:41
